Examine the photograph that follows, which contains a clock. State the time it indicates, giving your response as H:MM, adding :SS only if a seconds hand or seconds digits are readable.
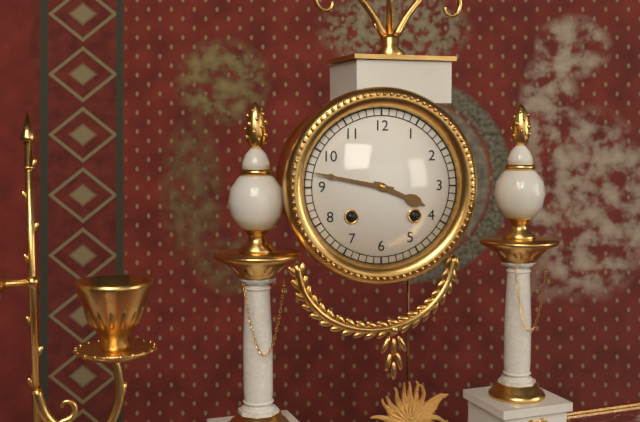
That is 3:47
